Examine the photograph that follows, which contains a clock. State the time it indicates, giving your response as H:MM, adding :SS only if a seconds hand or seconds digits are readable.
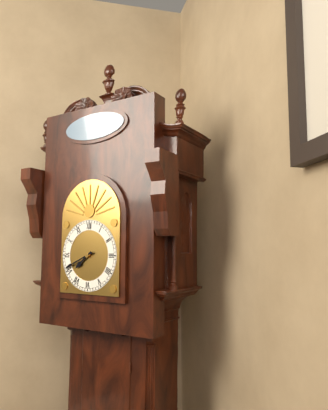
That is 7:41
